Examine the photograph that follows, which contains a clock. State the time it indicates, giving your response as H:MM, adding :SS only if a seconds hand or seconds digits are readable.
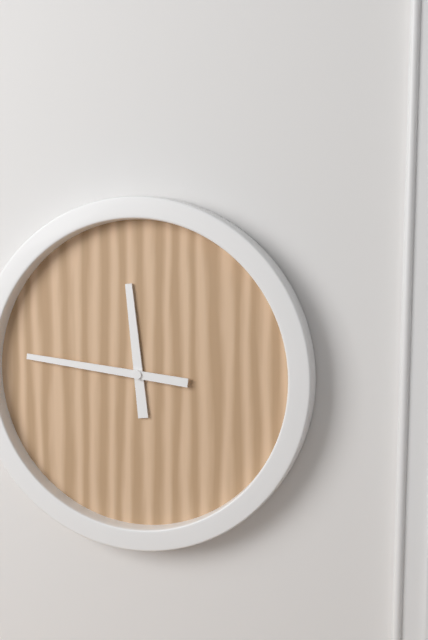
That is 11:46
